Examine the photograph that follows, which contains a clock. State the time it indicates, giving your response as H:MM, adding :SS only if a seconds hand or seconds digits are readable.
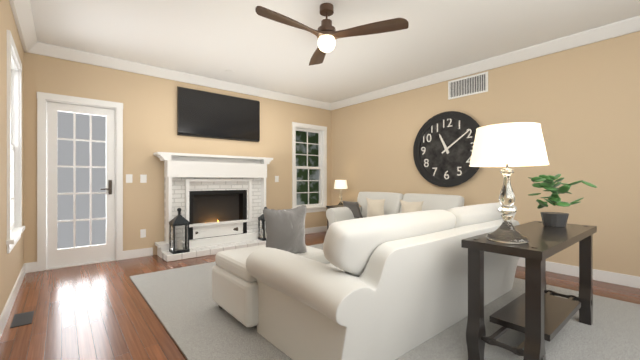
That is 11:09
